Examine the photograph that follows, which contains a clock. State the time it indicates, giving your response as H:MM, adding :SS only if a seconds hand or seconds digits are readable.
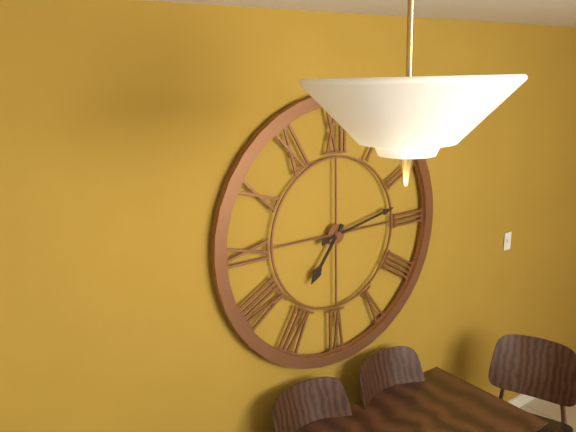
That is 7:13
